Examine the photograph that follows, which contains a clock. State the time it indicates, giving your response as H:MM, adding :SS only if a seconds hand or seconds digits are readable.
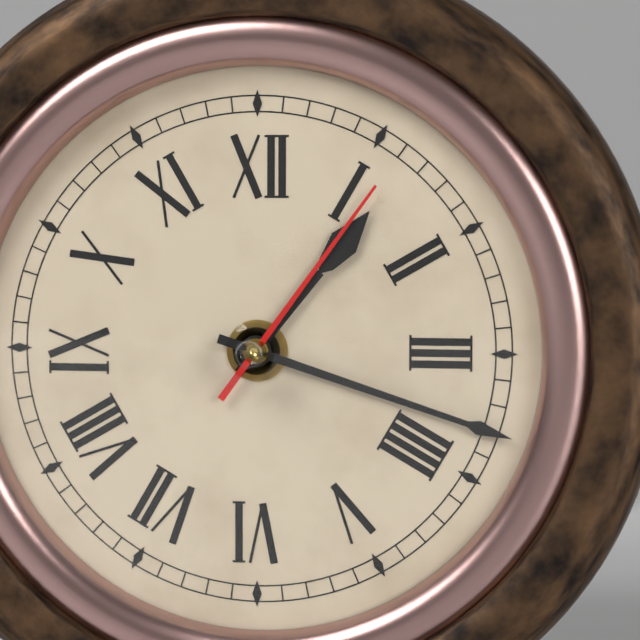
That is 1:18:06
